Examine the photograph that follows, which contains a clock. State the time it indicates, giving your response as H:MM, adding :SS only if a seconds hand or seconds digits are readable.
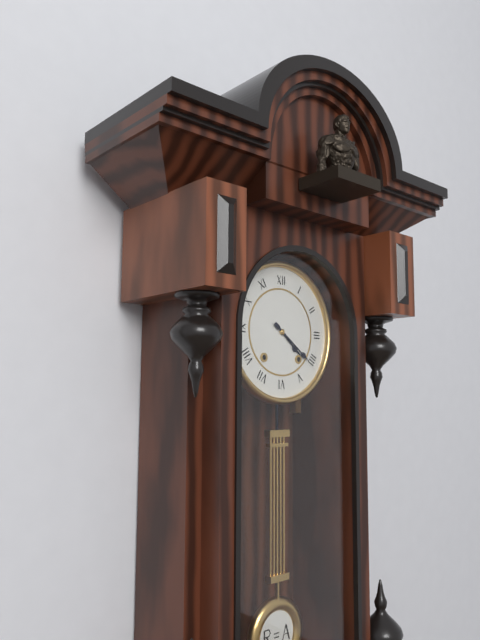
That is 4:21
